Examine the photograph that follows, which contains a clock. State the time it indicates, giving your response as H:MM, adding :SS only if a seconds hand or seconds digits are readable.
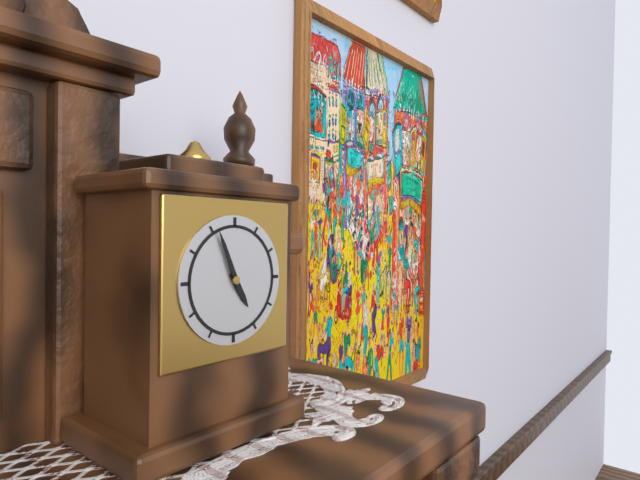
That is 4:56
